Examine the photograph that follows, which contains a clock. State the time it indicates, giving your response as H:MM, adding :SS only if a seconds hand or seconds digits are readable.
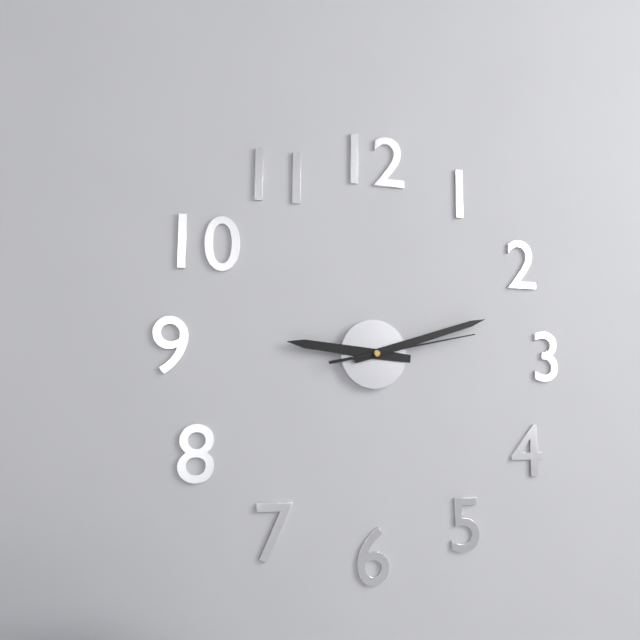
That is 9:12:13
